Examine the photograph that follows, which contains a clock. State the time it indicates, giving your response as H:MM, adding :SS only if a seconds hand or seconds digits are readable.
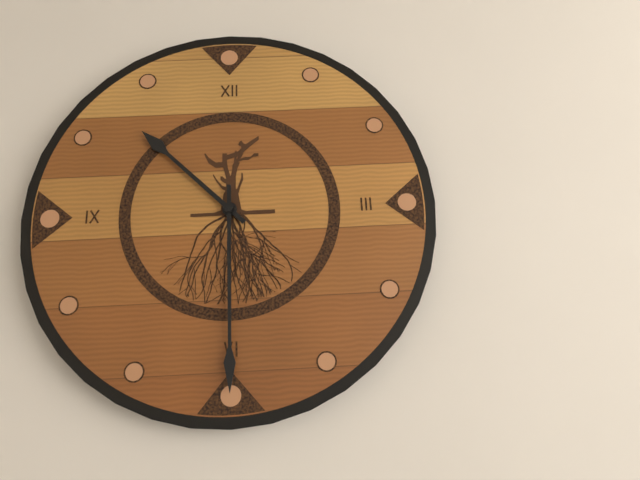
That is 10:30
